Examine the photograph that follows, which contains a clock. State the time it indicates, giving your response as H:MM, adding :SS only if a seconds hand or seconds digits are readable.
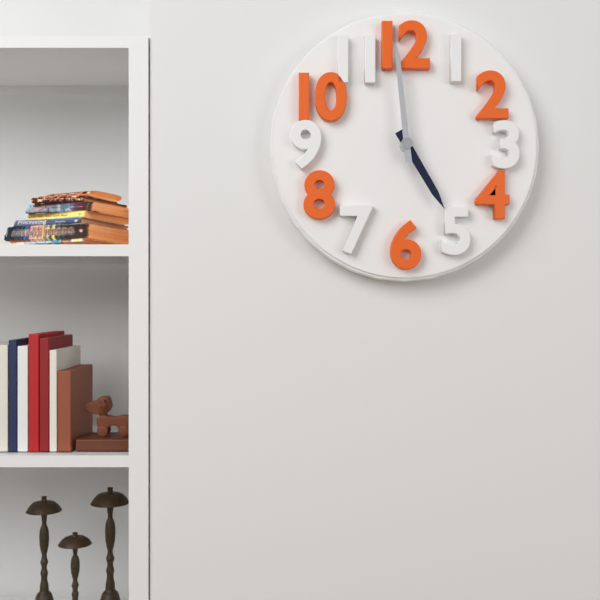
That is 4:59
